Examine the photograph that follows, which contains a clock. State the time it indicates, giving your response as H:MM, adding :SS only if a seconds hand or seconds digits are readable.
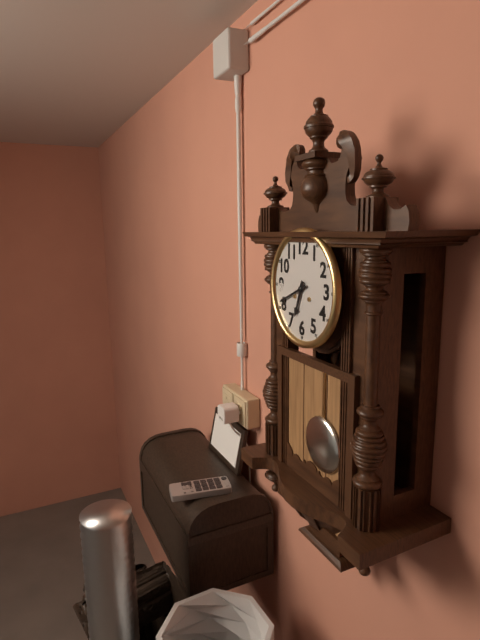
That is 6:41
